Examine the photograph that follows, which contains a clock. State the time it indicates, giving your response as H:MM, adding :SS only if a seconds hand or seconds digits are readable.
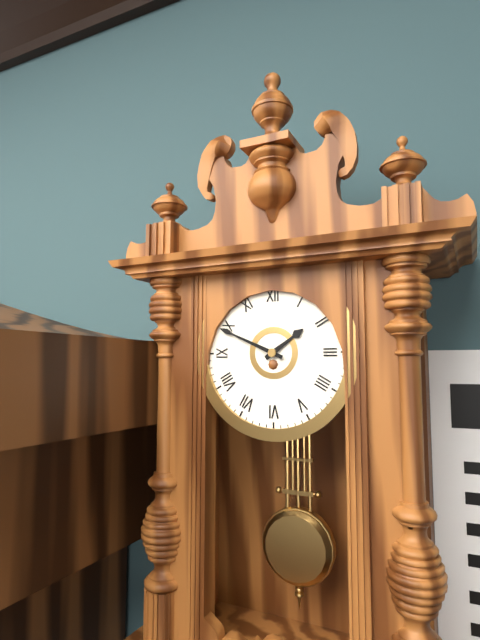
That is 1:49
